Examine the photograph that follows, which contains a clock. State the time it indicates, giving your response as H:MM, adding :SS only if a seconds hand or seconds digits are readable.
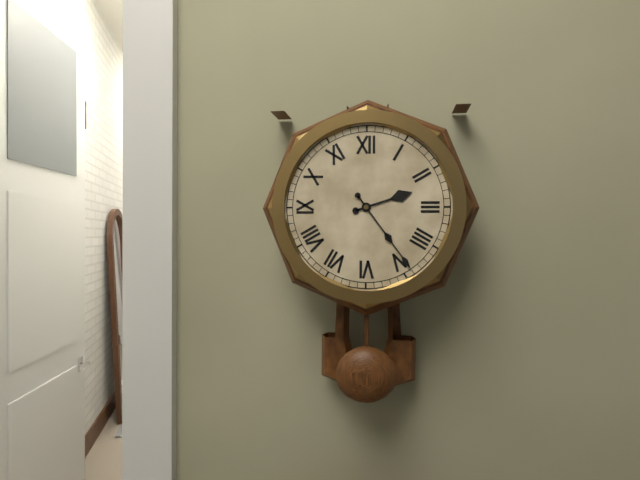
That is 2:24
